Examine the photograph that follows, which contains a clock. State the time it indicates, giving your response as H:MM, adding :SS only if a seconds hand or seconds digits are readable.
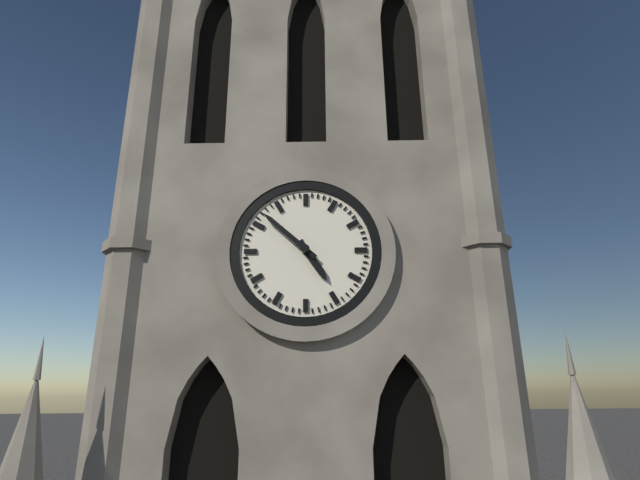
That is 4:52
